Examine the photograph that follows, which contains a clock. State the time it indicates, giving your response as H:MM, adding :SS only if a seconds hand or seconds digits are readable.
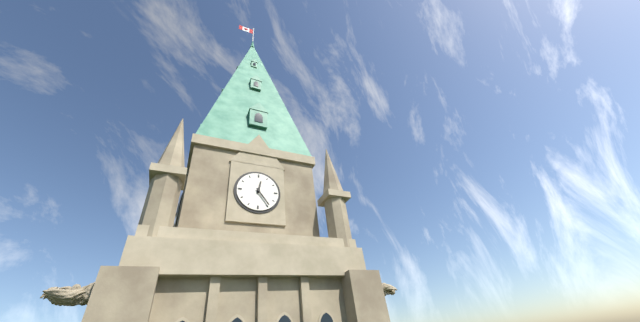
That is 12:24
